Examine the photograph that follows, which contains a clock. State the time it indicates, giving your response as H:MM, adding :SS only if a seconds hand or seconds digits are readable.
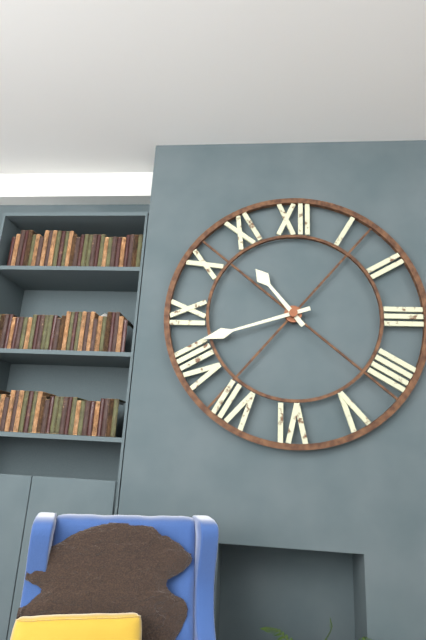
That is 10:42
